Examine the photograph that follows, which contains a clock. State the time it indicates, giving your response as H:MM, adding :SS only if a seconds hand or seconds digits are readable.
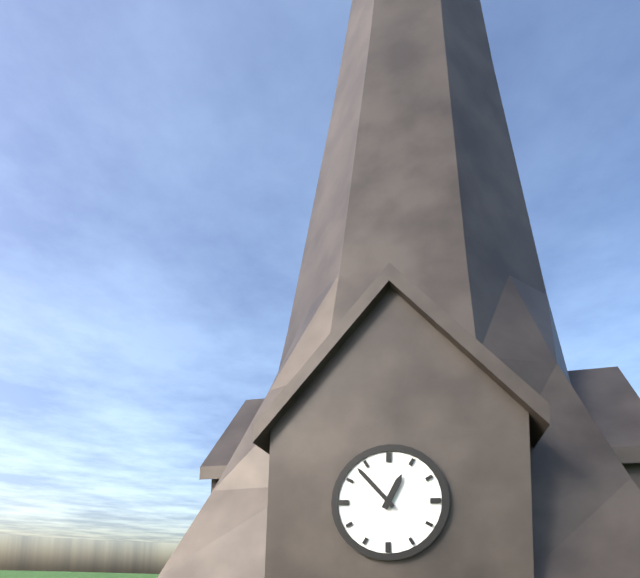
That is 12:53
